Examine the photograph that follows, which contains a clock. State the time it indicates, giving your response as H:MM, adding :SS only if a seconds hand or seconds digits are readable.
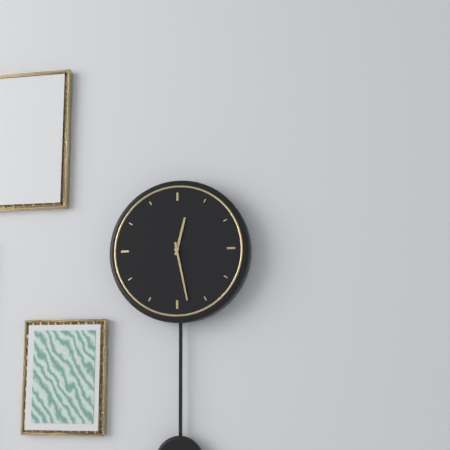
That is 12:28
